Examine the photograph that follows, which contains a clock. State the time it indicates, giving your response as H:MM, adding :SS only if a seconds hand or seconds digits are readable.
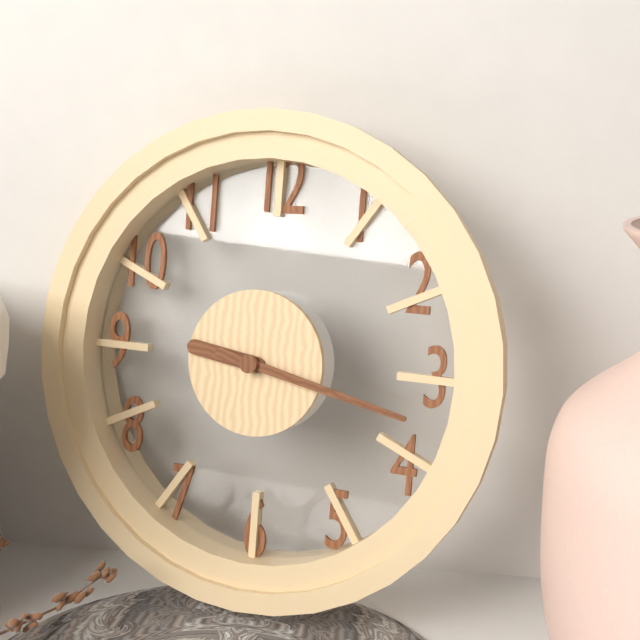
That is 9:17
